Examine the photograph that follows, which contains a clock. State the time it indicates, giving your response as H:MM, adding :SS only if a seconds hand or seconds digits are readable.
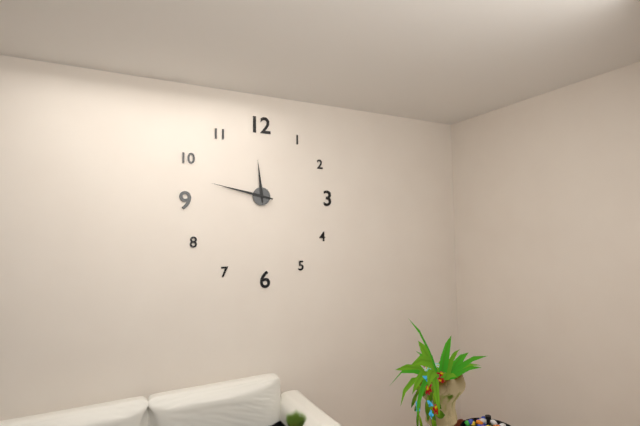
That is 11:47
